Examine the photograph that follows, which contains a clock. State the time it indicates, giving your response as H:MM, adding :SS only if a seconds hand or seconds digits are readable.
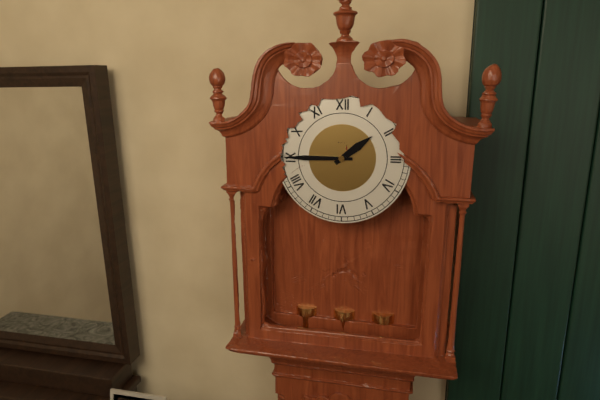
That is 1:45
